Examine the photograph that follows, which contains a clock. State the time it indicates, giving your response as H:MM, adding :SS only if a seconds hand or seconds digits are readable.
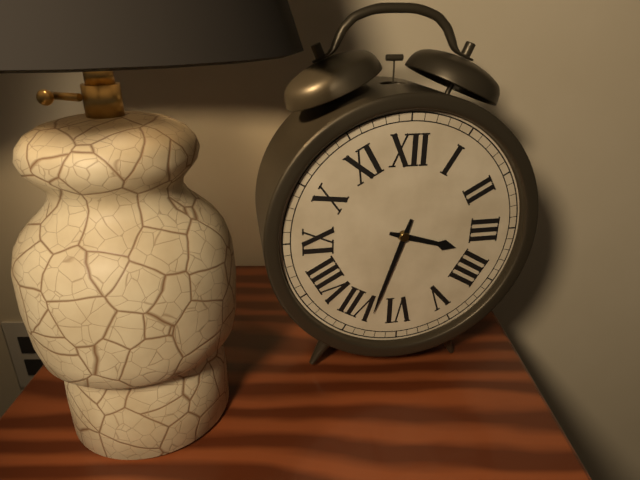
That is 3:33
